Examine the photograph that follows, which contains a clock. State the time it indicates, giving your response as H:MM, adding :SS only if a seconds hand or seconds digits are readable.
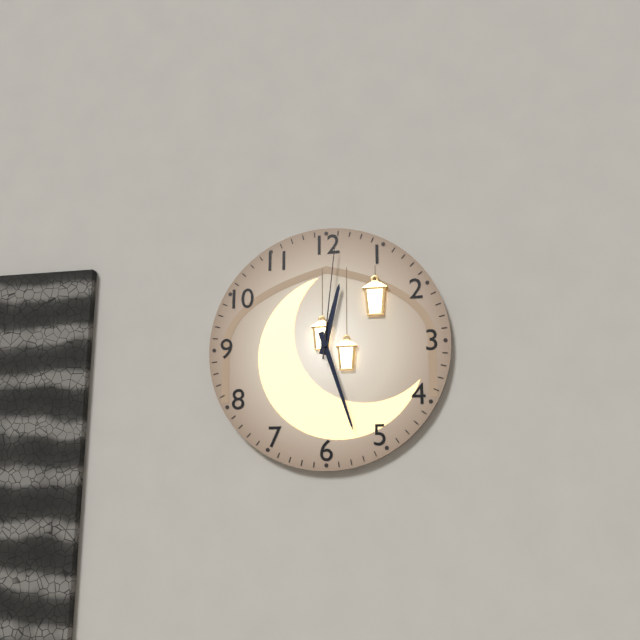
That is 12:27:01
